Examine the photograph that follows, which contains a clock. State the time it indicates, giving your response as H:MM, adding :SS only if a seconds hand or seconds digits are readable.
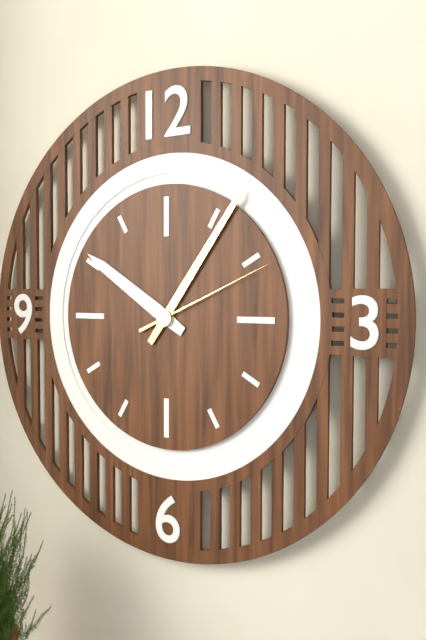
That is 10:06:11
